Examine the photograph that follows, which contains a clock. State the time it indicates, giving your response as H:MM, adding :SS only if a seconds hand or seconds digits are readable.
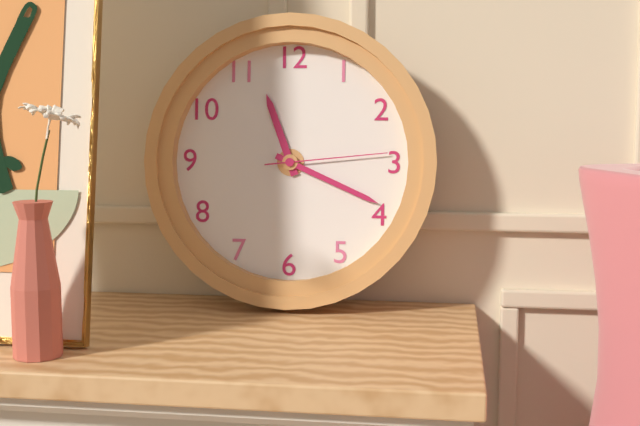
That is 11:19:14
